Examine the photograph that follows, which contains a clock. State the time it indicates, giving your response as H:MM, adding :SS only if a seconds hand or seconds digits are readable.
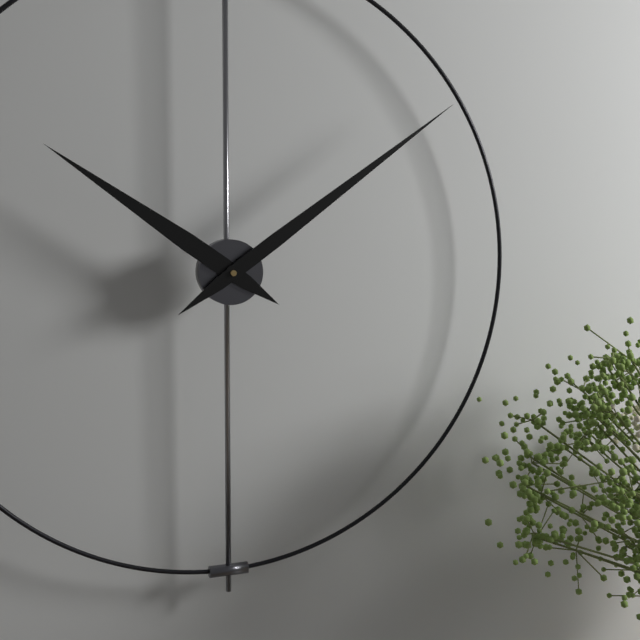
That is 10:09
